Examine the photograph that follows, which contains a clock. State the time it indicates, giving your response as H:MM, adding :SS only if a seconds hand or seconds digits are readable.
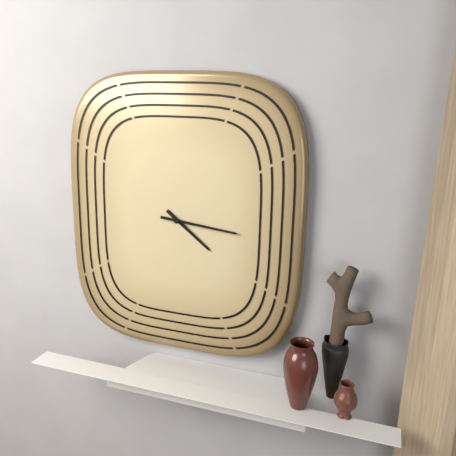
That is 4:16
